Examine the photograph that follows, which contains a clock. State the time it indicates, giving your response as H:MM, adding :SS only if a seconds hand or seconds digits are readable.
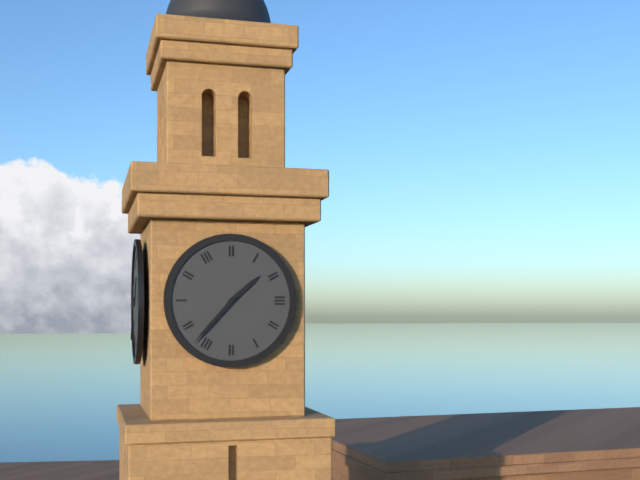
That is 1:37
